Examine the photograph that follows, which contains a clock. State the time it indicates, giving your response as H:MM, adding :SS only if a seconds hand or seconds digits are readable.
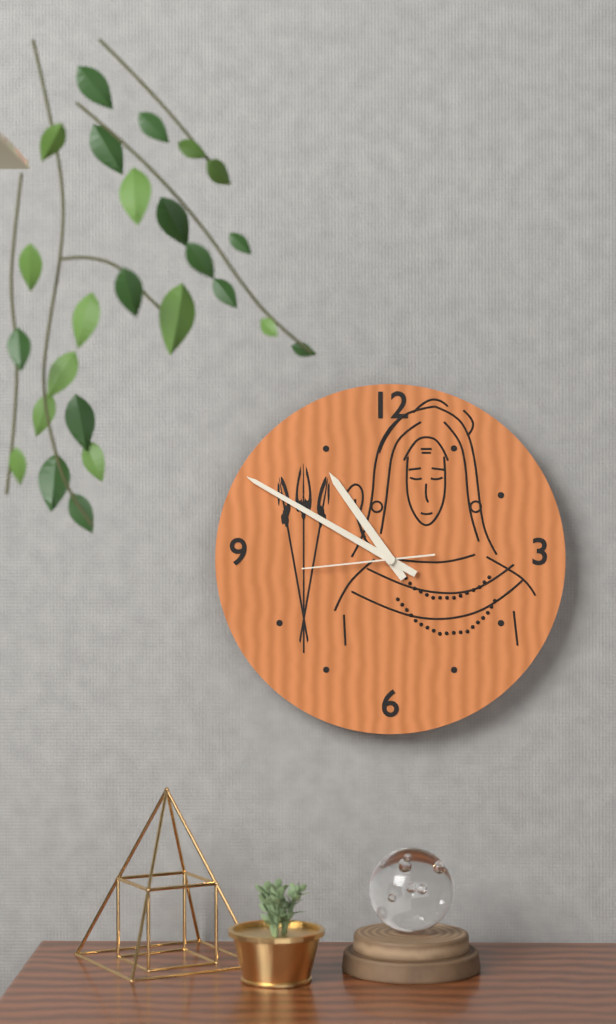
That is 10:50:44
